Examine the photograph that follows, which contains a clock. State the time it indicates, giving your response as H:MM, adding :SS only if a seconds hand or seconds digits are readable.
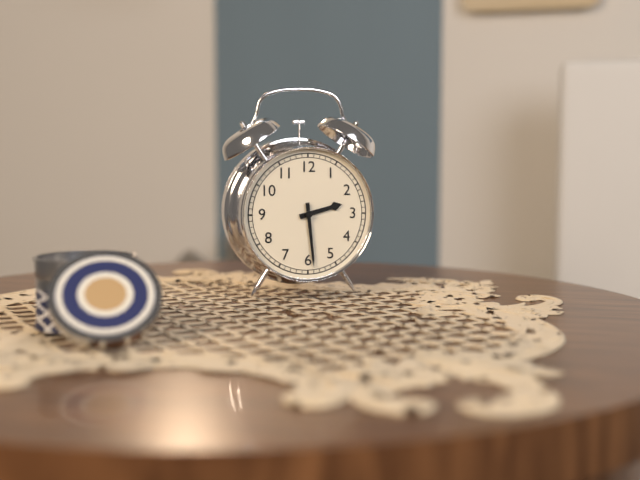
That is 2:29
